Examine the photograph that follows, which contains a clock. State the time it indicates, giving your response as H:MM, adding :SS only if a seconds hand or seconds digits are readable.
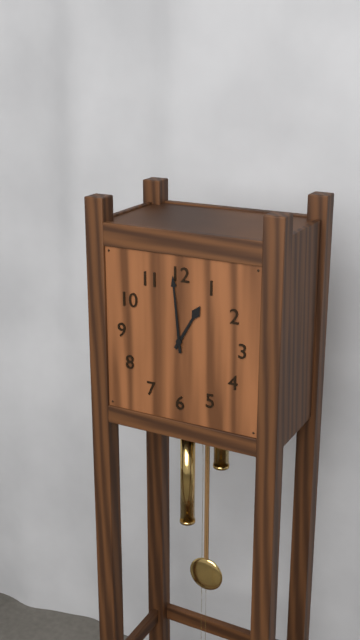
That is 12:59
